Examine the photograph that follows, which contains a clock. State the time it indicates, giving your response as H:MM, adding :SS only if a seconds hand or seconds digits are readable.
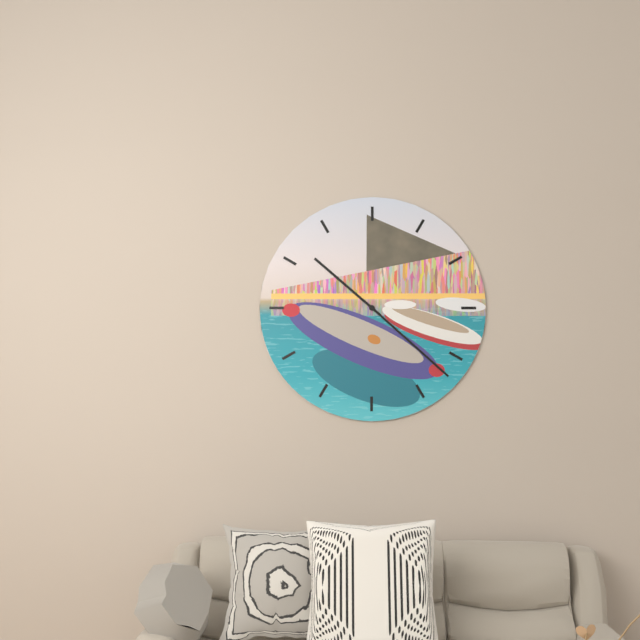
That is 10:22
